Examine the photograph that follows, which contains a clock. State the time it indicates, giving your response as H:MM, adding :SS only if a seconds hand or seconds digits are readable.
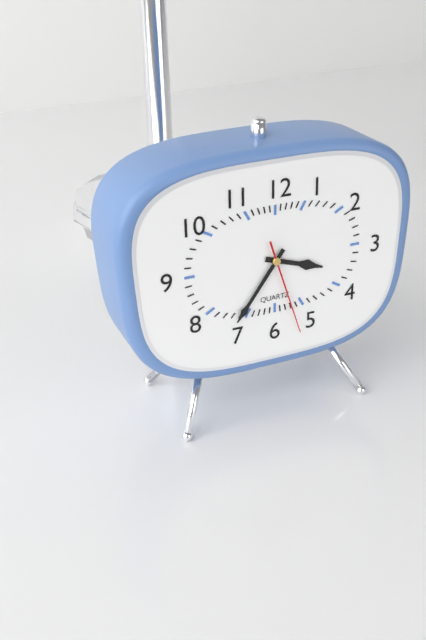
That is 3:36:27
